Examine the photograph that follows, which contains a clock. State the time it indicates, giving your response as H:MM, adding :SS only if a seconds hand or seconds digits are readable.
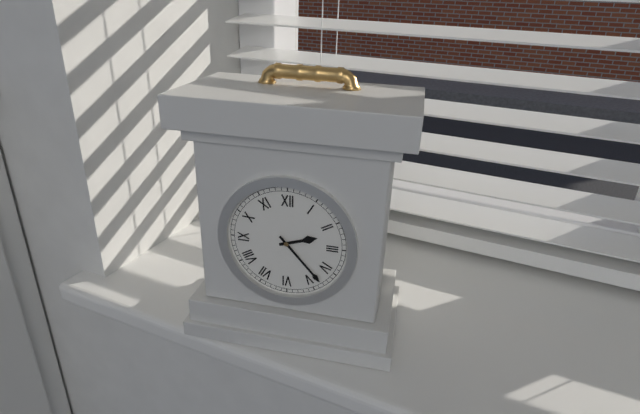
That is 2:23
